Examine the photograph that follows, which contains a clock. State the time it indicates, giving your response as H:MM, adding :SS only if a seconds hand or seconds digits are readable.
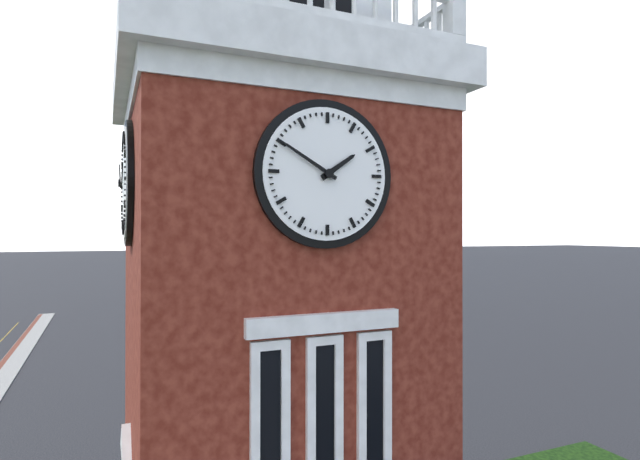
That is 1:50
